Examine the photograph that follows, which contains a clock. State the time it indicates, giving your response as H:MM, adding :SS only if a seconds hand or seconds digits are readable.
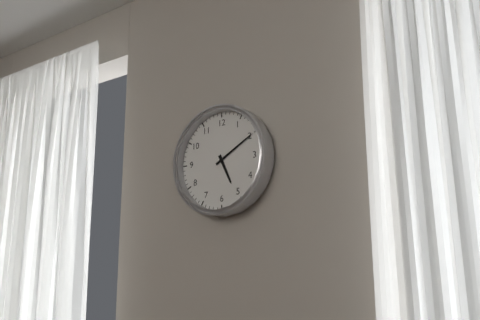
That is 5:10
